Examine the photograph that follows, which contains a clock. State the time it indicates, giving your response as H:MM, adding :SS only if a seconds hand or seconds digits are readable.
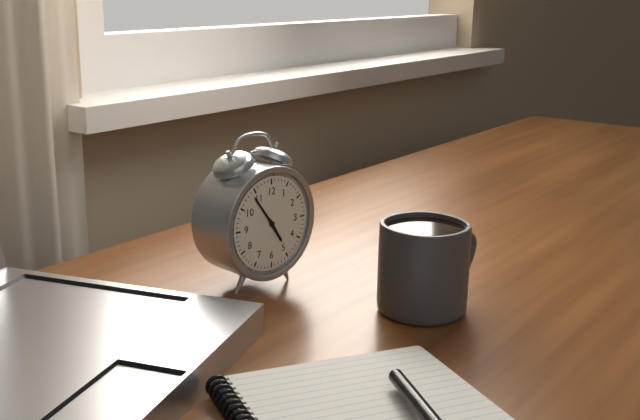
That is 4:54
